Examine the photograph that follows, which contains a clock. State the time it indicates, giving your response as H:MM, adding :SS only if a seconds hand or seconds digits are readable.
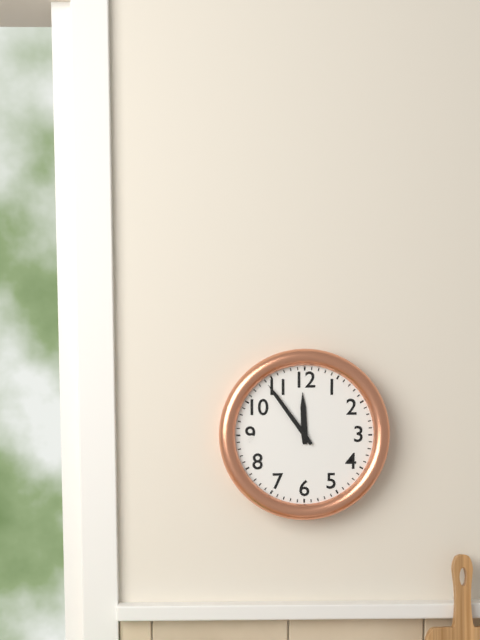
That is 11:54
